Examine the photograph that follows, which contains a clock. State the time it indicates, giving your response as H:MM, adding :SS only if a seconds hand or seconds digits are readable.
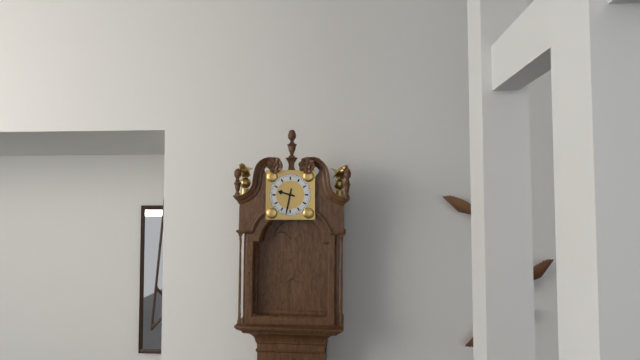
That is 9:32
